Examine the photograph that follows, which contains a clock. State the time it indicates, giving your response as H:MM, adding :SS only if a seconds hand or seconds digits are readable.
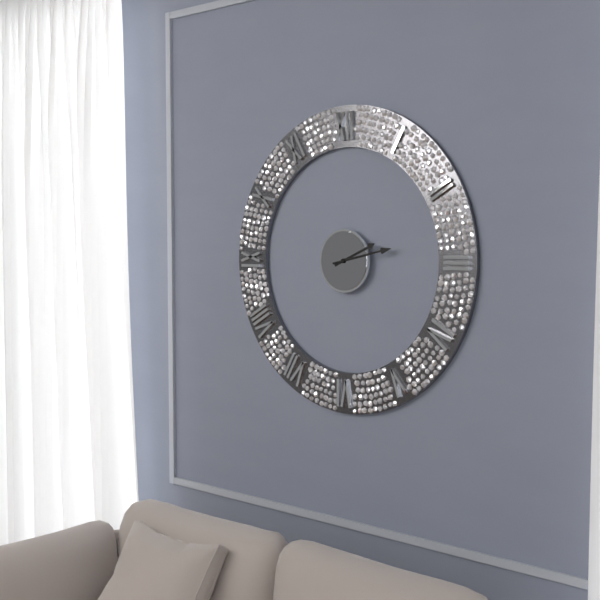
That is 2:13
